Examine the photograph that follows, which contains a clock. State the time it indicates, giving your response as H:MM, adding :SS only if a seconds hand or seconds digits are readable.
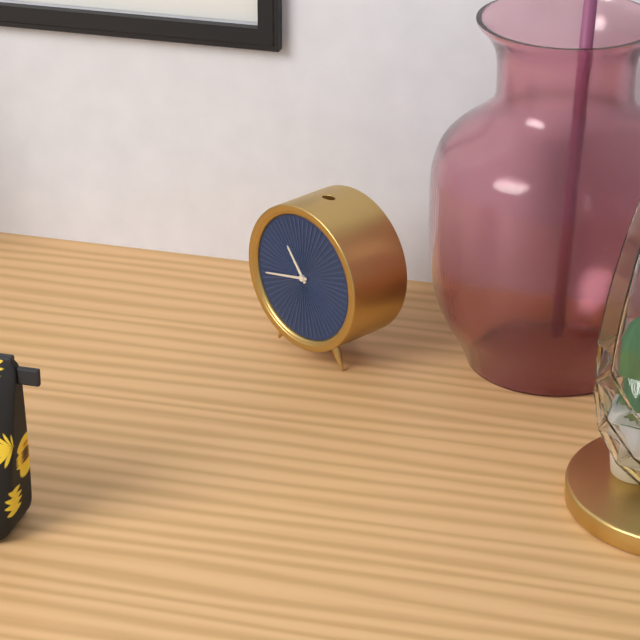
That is 10:43
